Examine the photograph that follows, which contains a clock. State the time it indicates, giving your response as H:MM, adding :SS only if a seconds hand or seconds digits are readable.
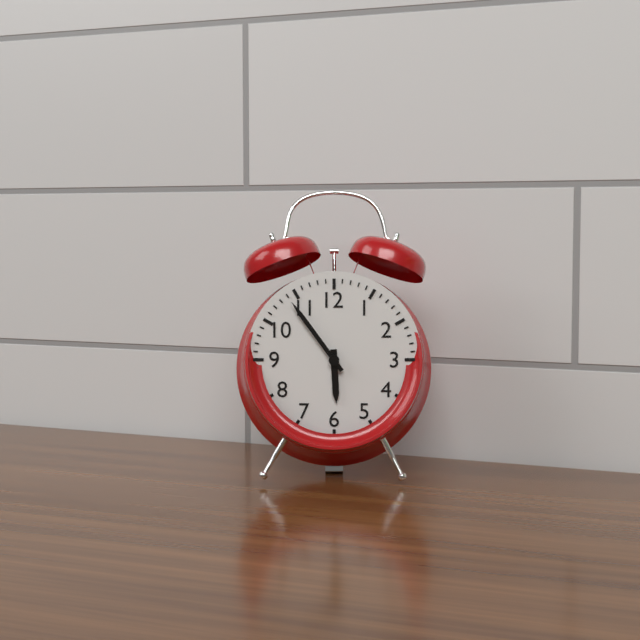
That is 5:54
